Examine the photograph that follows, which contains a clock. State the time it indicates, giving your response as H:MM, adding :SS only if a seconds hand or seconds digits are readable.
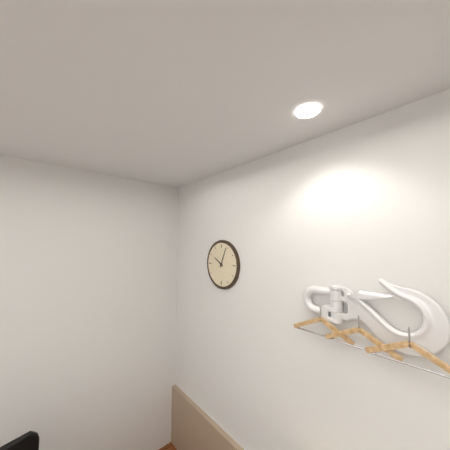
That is 10:04
